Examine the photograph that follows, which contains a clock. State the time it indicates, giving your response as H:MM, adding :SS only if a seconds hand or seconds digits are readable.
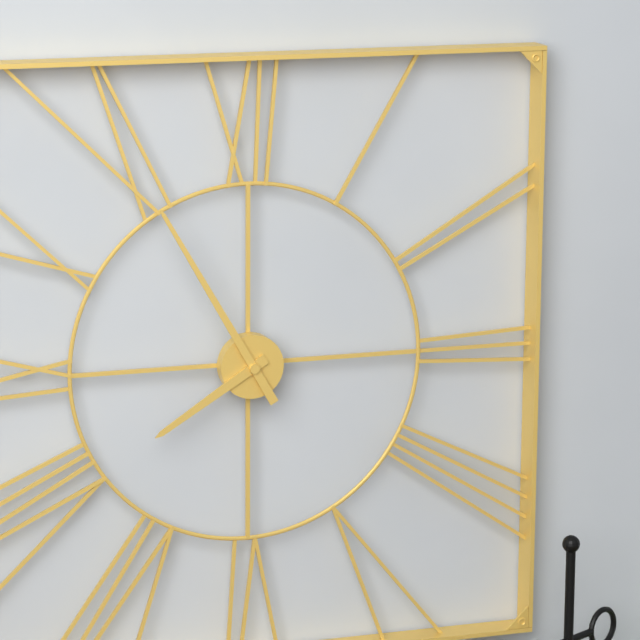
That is 7:55
